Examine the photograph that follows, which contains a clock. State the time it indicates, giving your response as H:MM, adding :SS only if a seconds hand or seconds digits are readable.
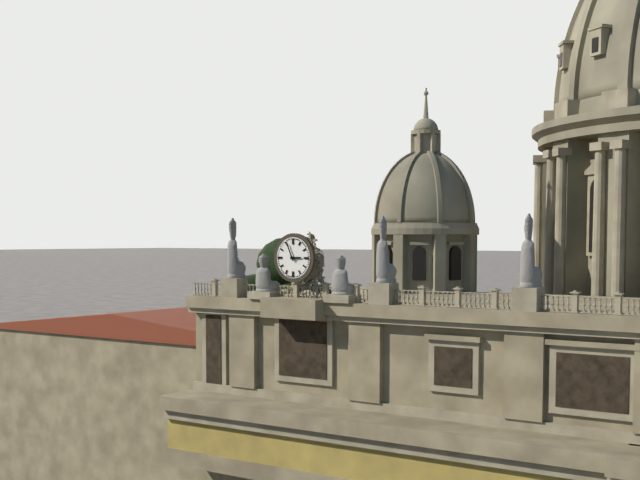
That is 2:56
